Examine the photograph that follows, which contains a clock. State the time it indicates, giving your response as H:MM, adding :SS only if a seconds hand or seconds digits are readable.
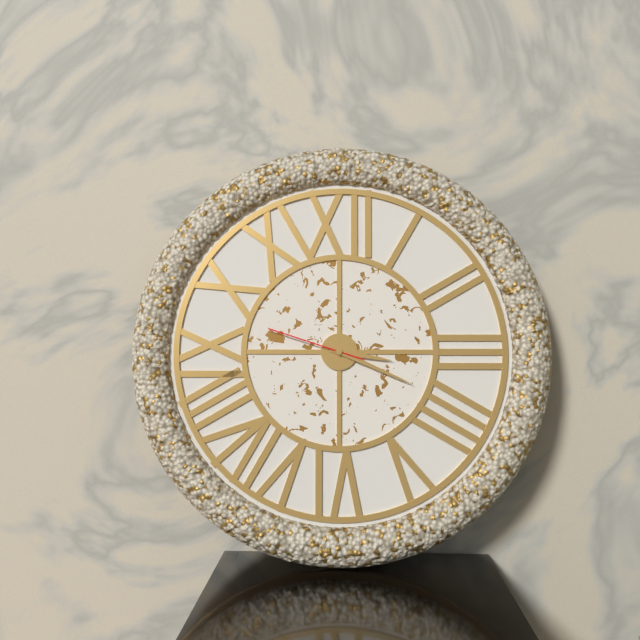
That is 3:19:48
